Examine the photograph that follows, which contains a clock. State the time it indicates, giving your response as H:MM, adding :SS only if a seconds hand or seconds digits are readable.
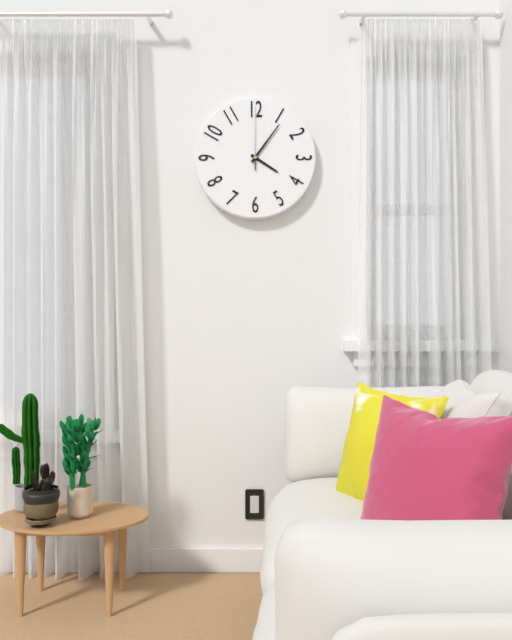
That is 4:06:00
